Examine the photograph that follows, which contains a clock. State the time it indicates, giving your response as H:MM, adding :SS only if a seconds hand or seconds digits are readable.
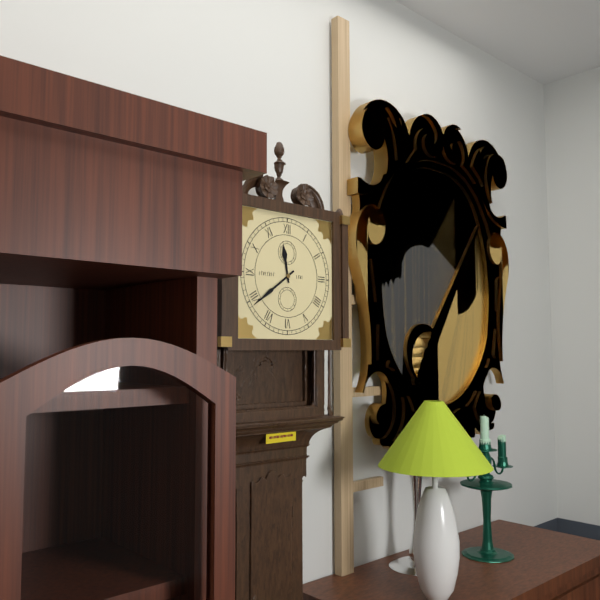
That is 11:39
